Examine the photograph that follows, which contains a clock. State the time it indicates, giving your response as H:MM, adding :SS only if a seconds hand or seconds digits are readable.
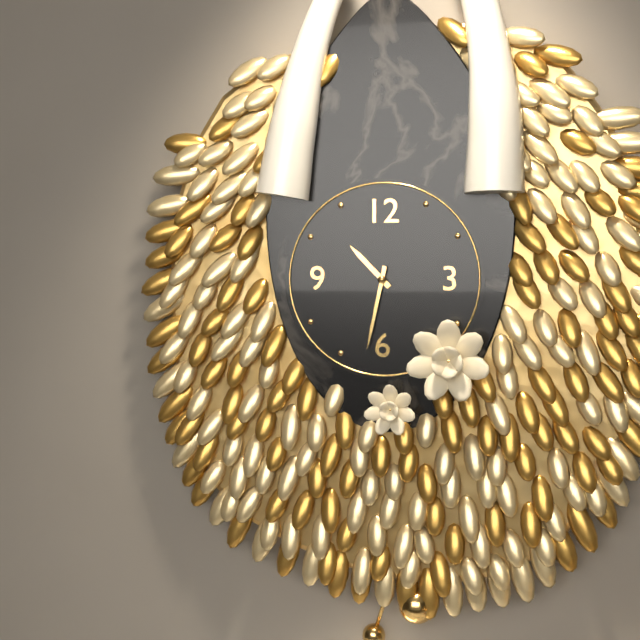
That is 10:32
